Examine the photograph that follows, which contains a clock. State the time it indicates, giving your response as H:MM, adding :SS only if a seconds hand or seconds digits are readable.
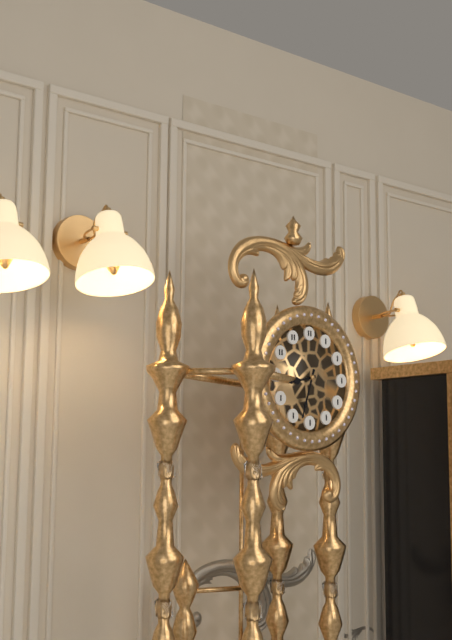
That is 8:33
